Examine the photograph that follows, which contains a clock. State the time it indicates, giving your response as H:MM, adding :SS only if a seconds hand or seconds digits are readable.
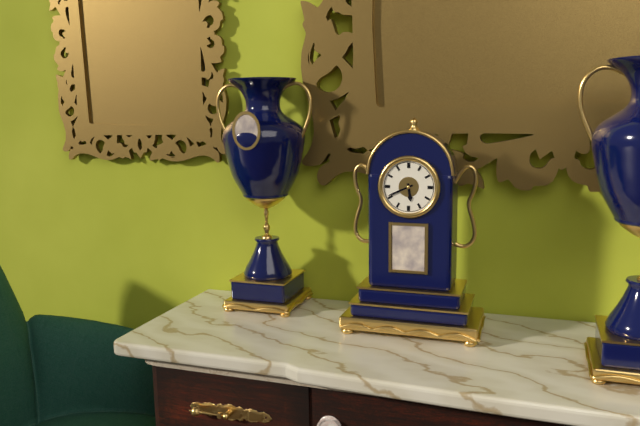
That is 5:41
